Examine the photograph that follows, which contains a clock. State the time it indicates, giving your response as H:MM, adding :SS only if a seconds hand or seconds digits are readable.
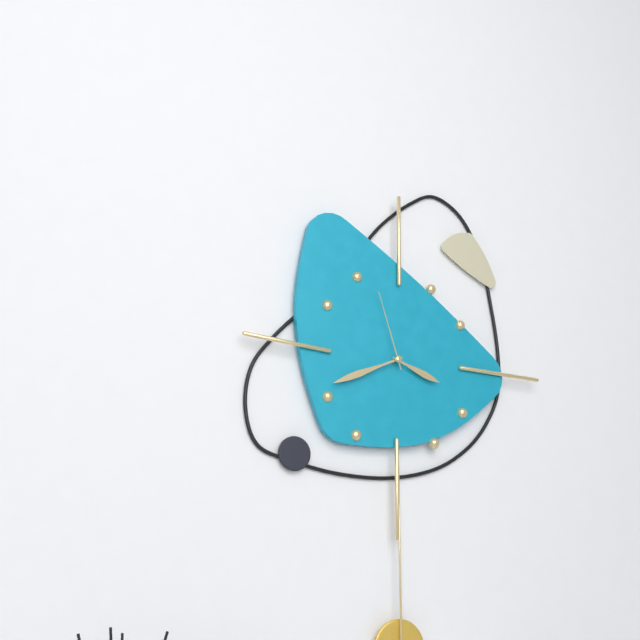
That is 3:41:57
